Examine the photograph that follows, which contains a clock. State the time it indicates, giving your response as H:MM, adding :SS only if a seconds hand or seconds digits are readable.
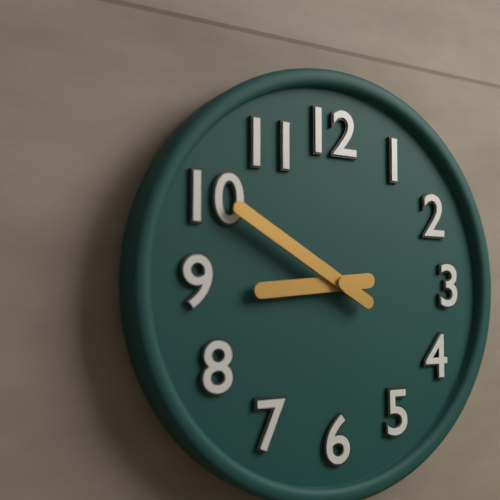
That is 8:50
